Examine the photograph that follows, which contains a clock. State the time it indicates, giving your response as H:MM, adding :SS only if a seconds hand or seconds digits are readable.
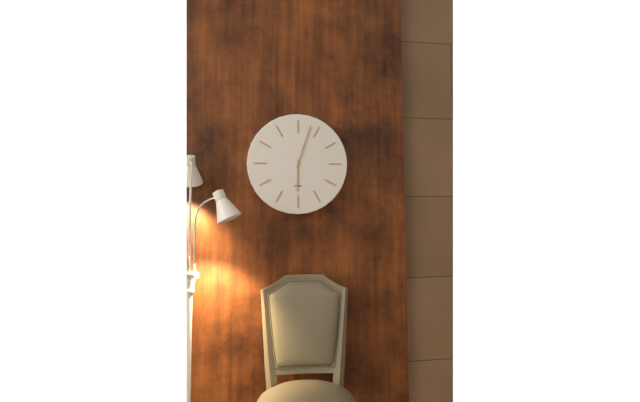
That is 6:03
